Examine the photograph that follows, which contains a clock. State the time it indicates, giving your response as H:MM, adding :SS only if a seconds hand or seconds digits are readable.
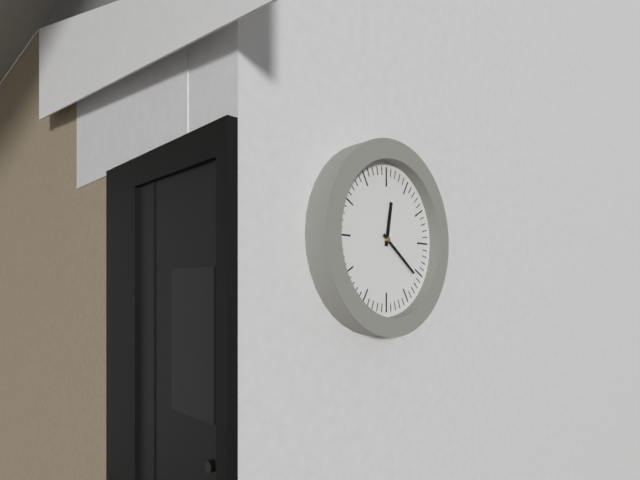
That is 12:21
